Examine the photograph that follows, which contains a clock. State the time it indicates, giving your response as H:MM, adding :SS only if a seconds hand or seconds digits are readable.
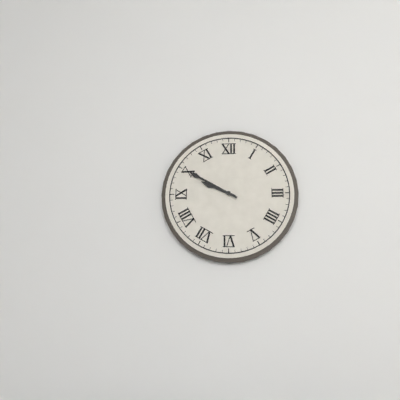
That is 9:50
